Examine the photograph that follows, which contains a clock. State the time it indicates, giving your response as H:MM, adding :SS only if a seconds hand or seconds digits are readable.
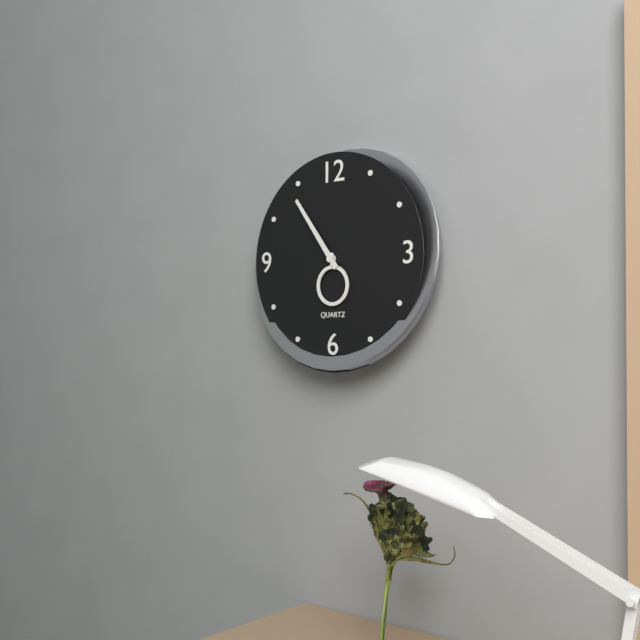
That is 5:54
